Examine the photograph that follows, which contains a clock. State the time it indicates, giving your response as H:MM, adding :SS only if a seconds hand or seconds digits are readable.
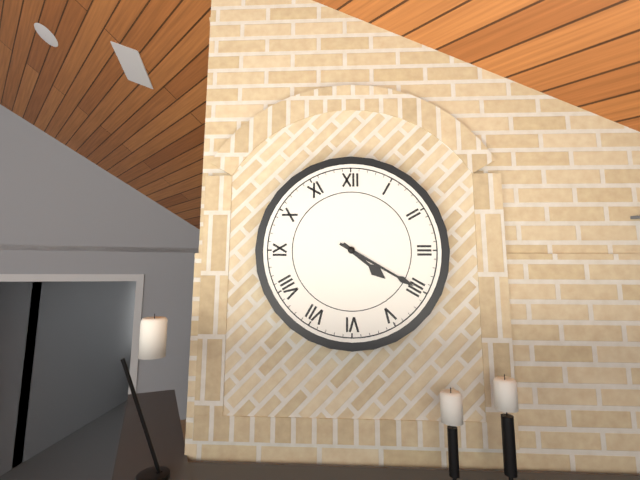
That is 4:20
